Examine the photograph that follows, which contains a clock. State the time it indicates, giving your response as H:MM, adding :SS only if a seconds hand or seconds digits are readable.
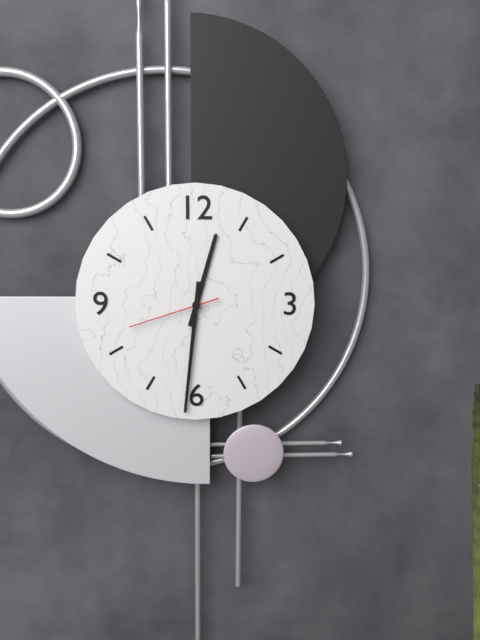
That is 12:31:42
